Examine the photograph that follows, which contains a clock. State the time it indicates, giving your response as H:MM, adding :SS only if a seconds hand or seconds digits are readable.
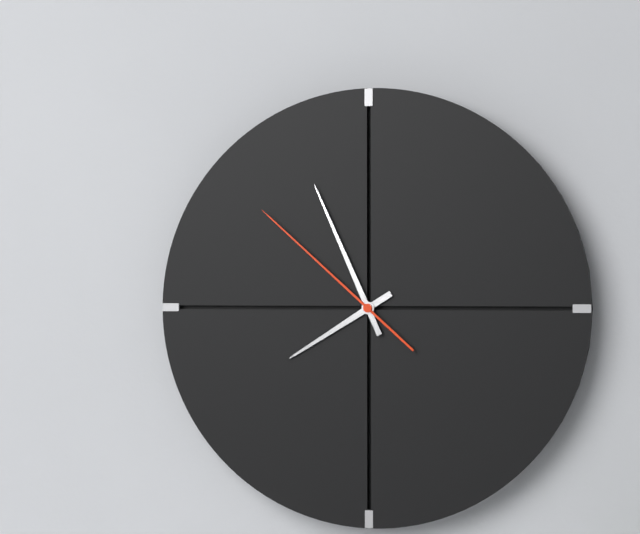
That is 7:56:52
